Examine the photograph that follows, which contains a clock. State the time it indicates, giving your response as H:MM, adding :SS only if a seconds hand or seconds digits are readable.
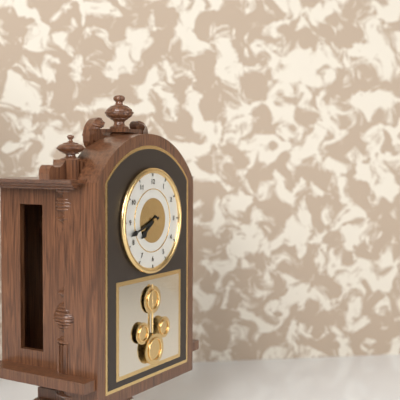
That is 7:42
